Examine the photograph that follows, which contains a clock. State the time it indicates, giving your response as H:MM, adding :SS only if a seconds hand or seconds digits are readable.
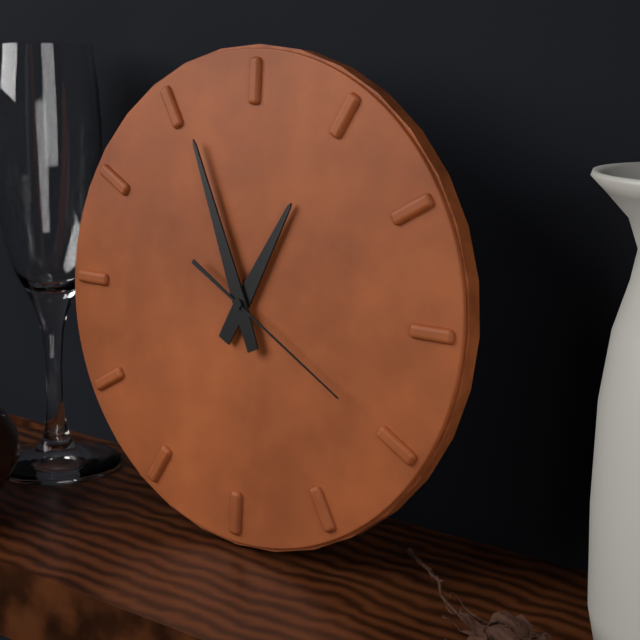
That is 12:56:20
